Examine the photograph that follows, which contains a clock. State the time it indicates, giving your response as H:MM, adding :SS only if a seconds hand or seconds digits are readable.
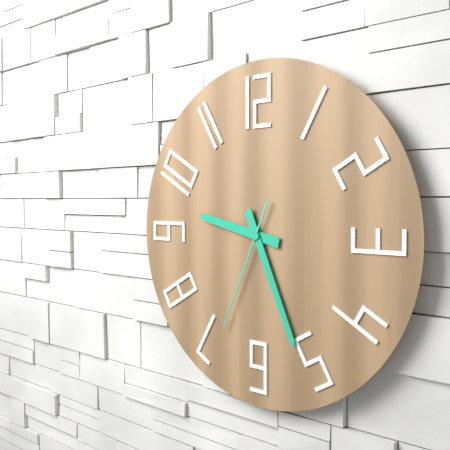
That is 9:26:34
